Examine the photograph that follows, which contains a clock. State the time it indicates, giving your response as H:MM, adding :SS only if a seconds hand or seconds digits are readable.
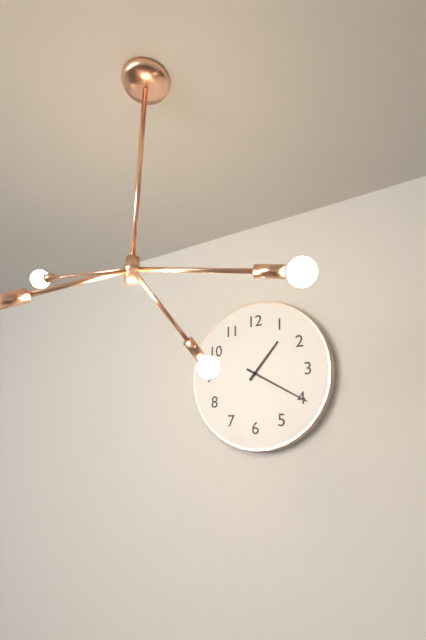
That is 1:20
